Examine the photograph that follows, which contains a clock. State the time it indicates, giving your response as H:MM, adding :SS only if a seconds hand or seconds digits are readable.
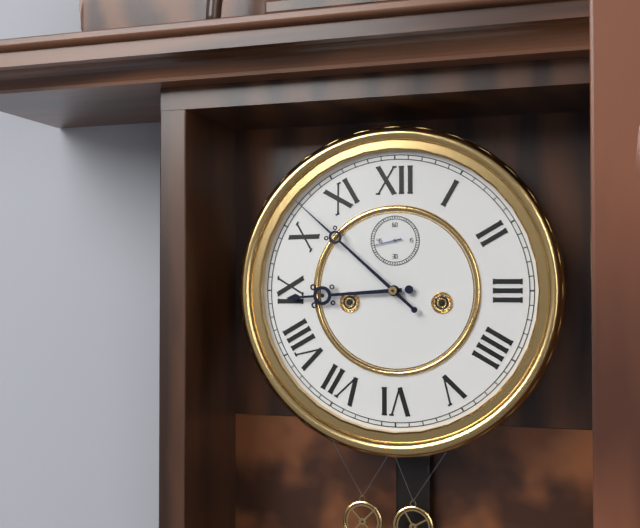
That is 8:52
